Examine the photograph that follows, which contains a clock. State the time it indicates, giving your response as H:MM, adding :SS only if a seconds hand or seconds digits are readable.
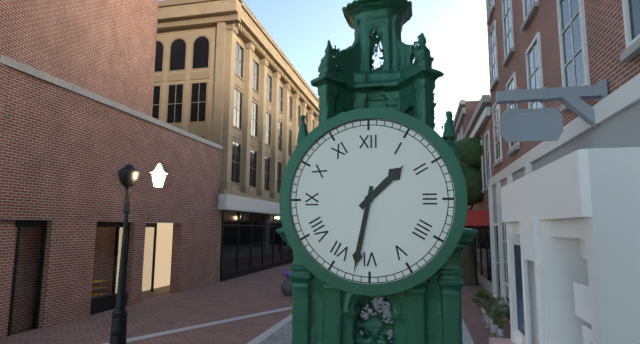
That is 1:32
